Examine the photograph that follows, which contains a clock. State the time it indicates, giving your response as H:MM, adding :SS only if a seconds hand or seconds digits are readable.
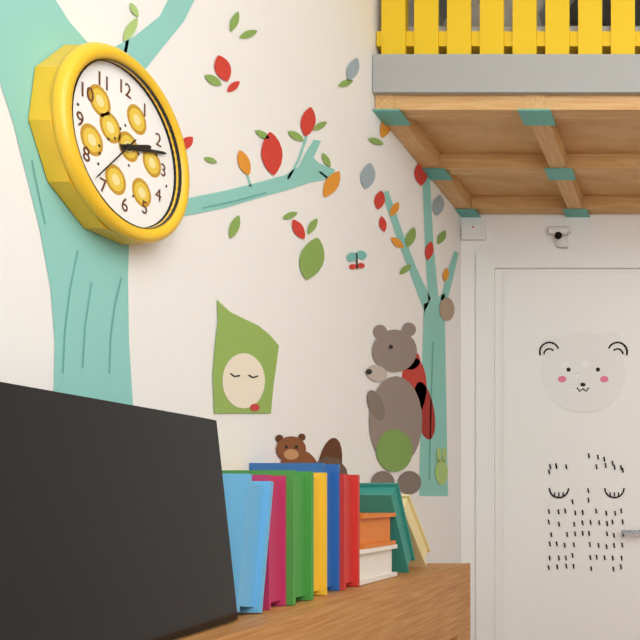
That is 2:12:37
